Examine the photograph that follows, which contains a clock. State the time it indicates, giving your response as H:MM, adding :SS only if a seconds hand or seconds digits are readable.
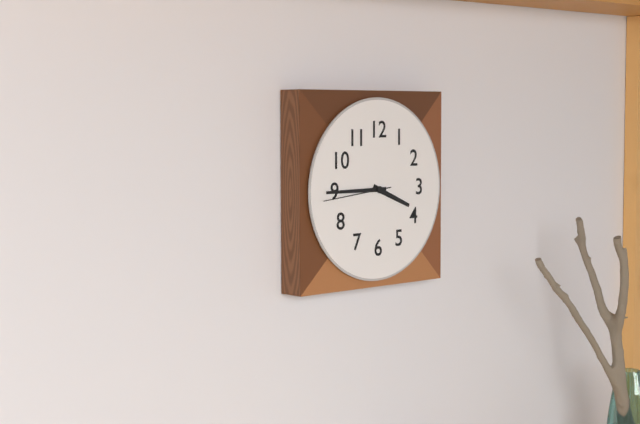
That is 3:45:44
